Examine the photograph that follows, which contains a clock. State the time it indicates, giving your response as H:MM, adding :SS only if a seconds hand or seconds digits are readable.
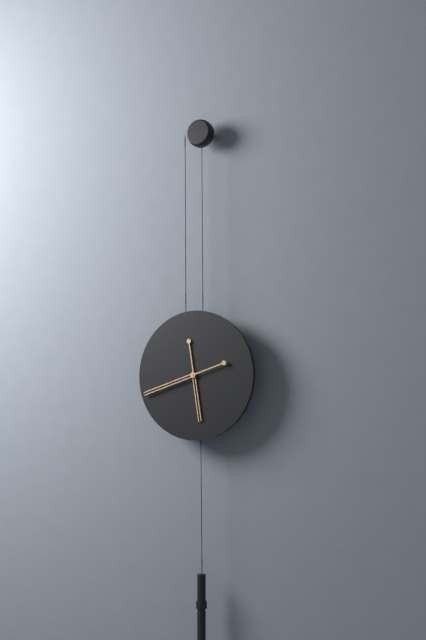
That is 5:42
